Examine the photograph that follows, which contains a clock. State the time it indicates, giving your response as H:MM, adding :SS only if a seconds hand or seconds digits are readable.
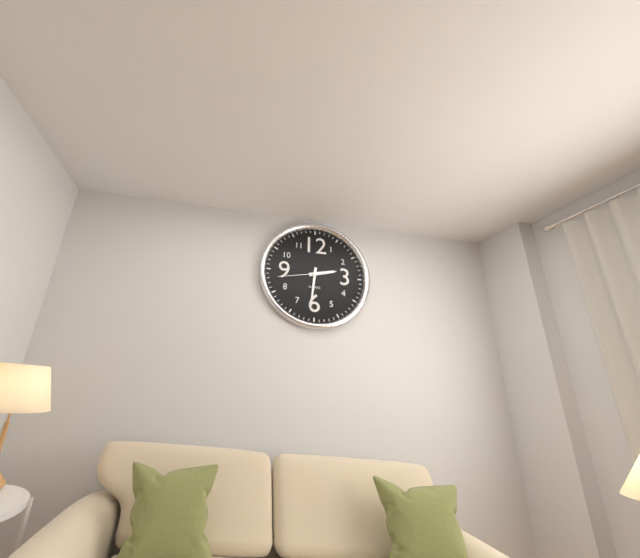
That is 2:31
